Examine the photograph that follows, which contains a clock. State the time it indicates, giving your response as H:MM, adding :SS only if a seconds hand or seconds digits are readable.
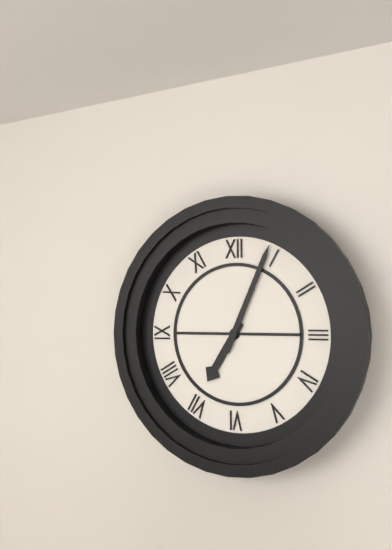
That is 7:04
